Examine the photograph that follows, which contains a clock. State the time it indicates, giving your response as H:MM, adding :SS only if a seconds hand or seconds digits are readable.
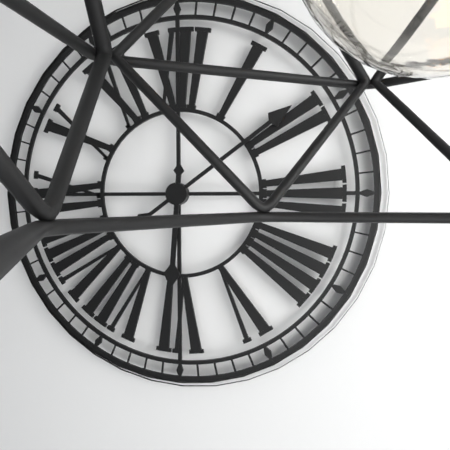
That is 6:09
